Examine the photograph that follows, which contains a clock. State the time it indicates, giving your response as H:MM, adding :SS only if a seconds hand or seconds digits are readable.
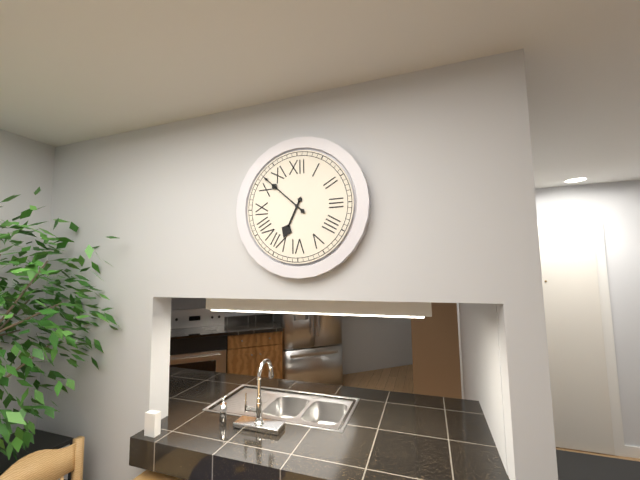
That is 6:52
